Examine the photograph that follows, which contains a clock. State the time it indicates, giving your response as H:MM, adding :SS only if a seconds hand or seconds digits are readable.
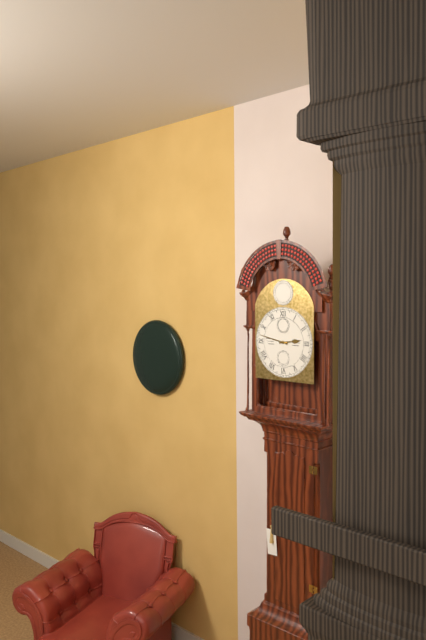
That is 2:47
